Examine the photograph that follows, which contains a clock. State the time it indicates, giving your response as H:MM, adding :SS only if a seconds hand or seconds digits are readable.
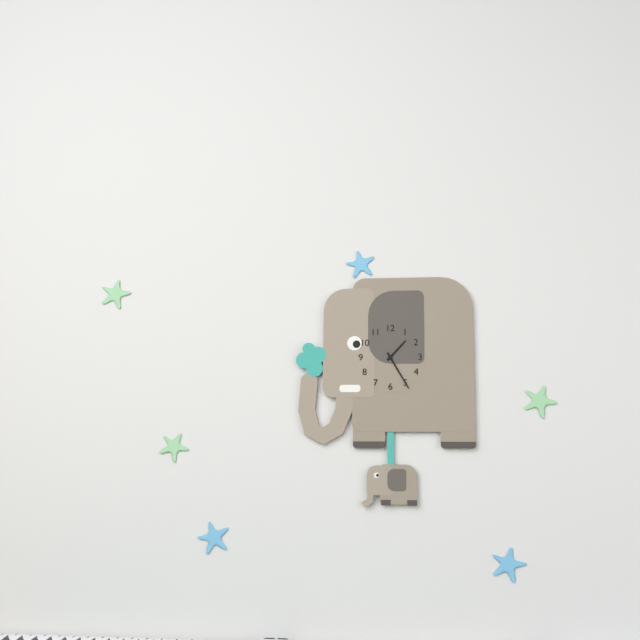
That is 1:25
